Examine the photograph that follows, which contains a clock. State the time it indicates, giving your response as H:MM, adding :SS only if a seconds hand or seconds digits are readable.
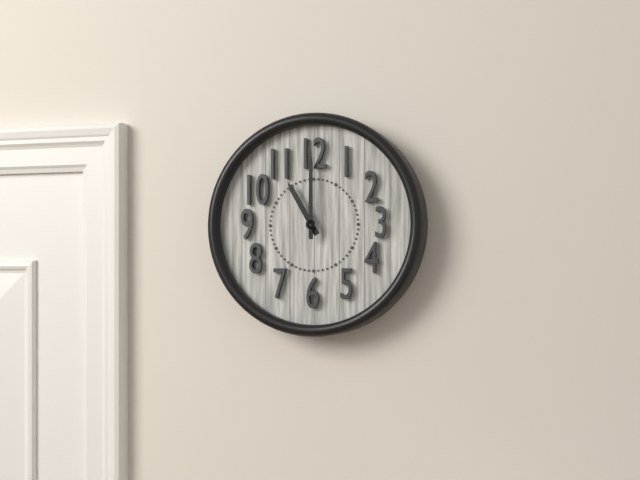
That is 11:00
